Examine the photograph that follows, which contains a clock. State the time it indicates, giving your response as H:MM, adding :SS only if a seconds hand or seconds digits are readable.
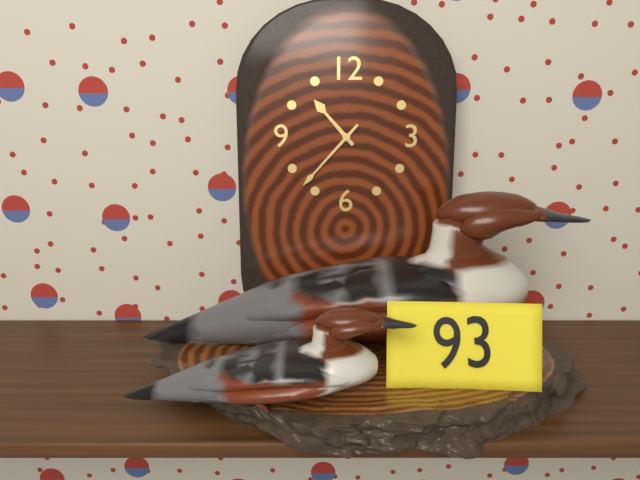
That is 10:37
